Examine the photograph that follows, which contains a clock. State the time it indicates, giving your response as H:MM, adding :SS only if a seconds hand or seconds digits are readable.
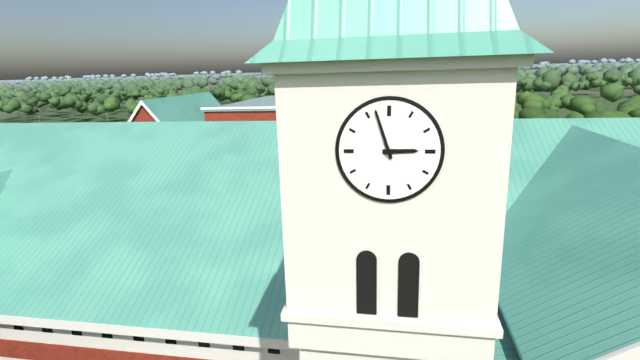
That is 2:57
